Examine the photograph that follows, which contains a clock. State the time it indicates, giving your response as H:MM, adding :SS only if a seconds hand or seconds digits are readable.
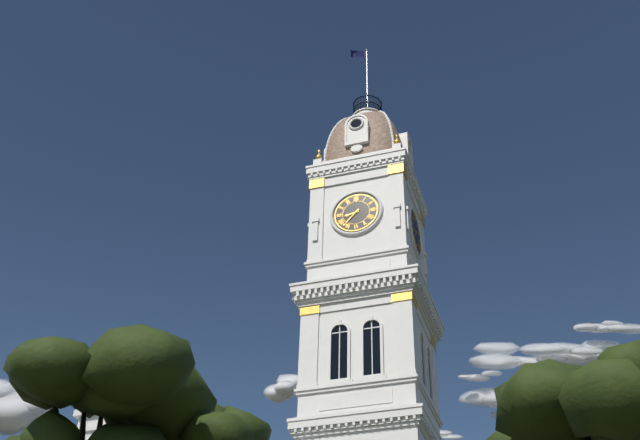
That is 8:37
